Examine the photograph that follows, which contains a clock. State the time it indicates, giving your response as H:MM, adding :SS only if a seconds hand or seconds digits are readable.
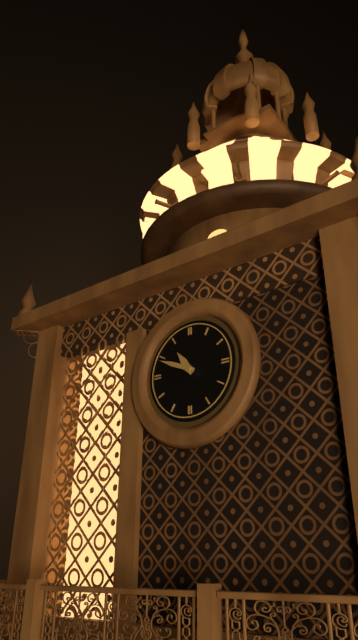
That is 10:49
